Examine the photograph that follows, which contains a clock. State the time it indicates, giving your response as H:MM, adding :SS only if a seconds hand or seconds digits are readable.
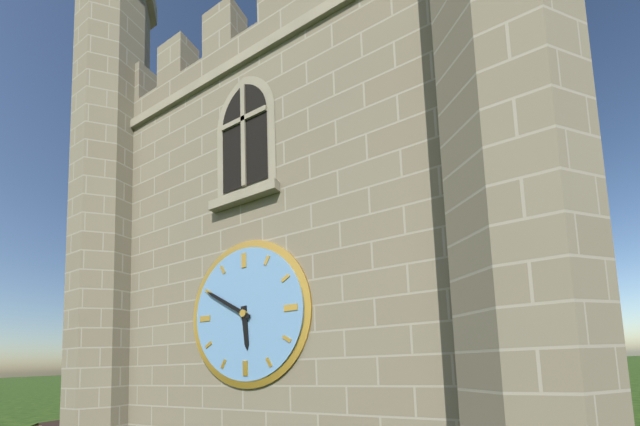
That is 5:50
